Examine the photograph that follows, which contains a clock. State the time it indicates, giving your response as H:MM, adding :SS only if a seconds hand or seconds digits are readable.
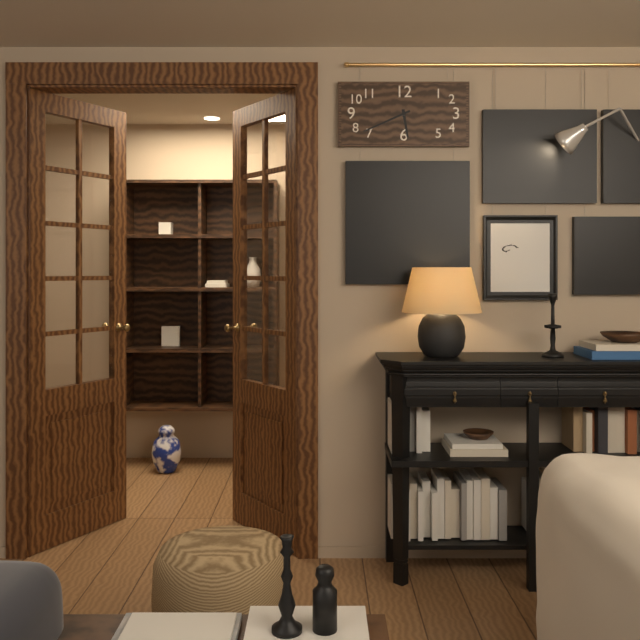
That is 5:41
